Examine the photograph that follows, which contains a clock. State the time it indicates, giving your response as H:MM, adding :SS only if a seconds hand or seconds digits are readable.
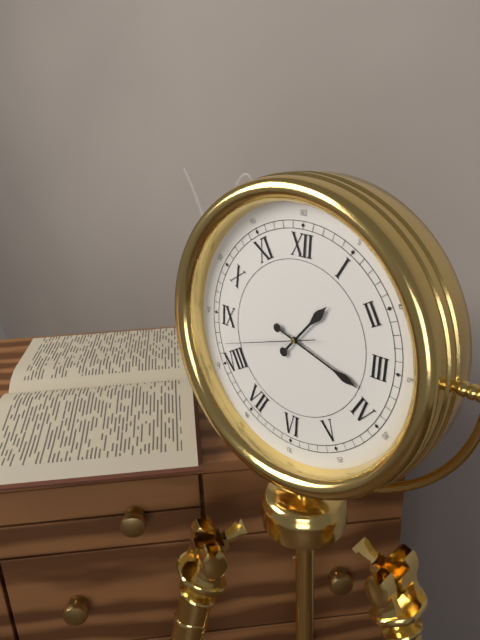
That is 1:18:42
